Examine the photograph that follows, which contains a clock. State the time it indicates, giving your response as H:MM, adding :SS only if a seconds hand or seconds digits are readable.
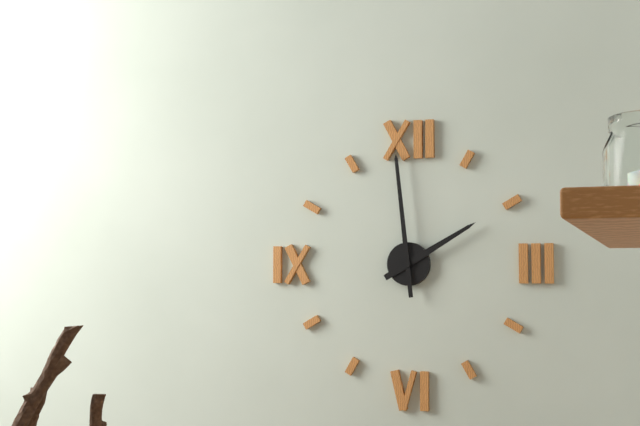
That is 1:59
